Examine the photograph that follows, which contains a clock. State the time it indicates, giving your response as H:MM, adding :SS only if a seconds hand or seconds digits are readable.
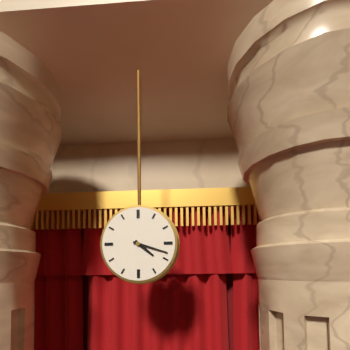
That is 4:18
